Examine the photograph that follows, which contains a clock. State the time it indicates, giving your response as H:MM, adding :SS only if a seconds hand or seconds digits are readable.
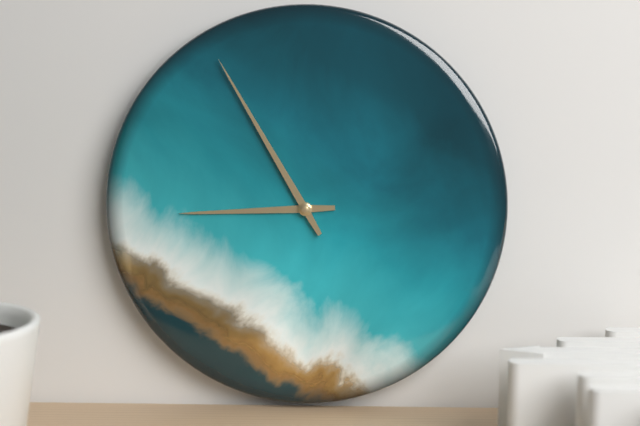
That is 8:55
